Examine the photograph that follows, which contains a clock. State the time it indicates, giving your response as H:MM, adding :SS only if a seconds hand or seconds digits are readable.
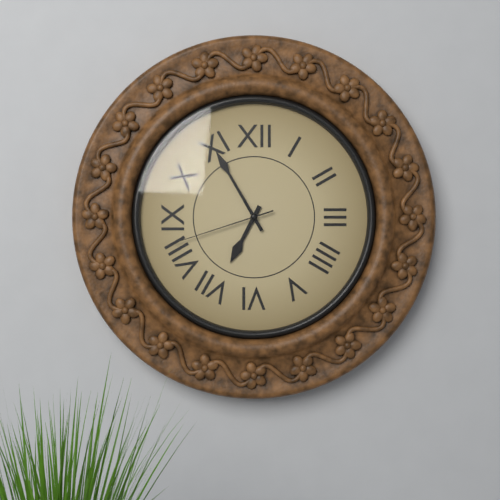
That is 6:55:42
